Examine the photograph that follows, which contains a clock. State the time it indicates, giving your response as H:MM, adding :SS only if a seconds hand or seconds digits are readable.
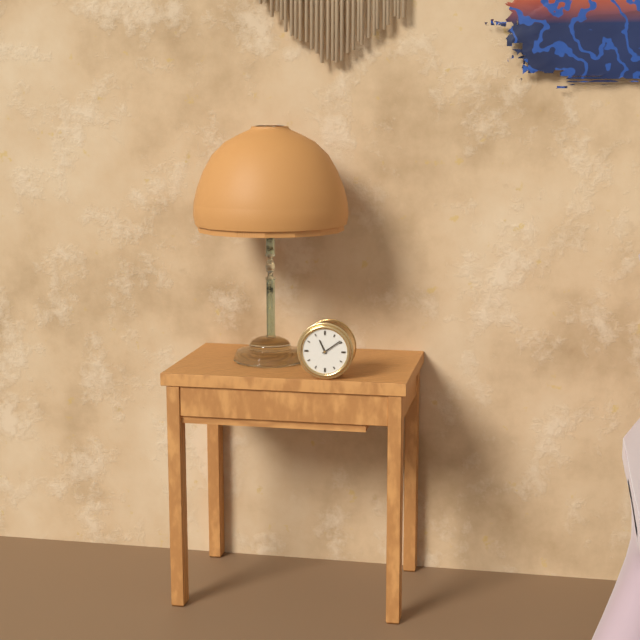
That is 11:09
